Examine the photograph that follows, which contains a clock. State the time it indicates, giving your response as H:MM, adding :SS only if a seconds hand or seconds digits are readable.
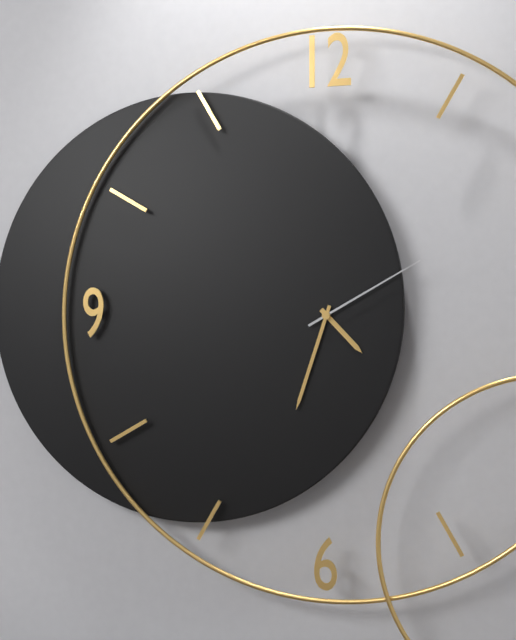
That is 4:33:10
